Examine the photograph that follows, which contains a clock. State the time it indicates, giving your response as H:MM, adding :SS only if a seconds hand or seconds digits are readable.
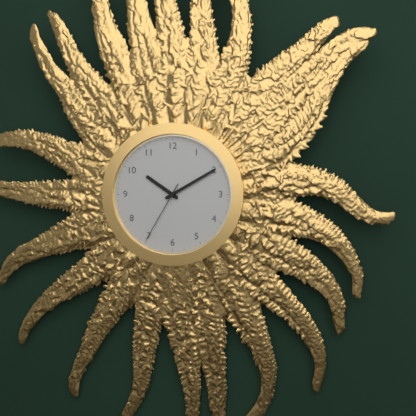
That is 10:10:35
